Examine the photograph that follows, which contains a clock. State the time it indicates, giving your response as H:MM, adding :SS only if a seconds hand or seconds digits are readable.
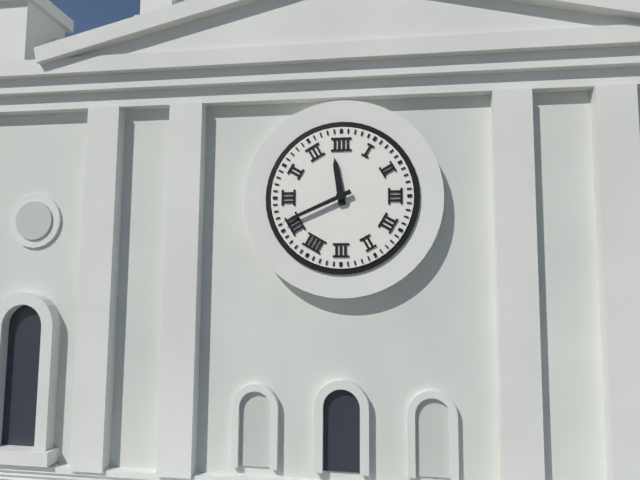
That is 11:41
